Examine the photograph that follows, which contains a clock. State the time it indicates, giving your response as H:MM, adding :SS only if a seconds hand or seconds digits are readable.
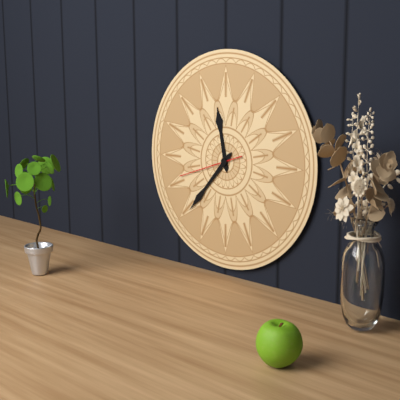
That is 11:37:42
